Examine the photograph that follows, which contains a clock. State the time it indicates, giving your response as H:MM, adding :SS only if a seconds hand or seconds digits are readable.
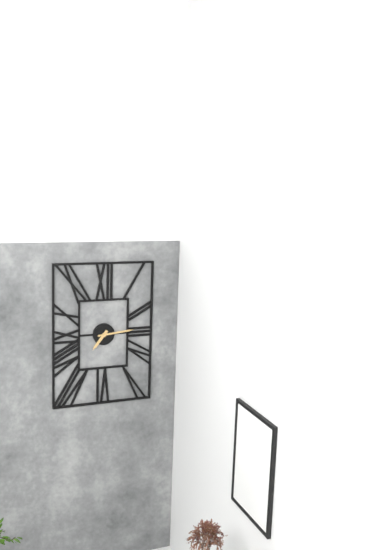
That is 7:14
